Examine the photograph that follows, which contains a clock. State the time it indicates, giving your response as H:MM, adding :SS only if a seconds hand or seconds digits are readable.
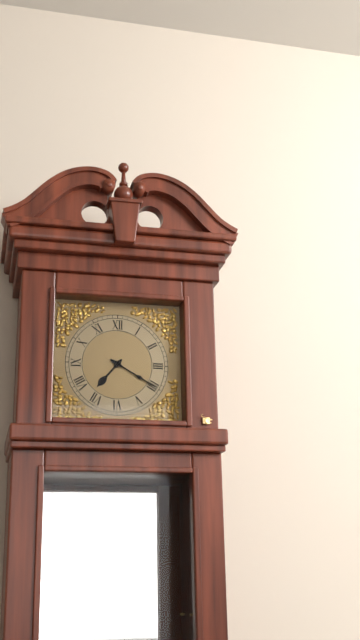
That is 7:20
